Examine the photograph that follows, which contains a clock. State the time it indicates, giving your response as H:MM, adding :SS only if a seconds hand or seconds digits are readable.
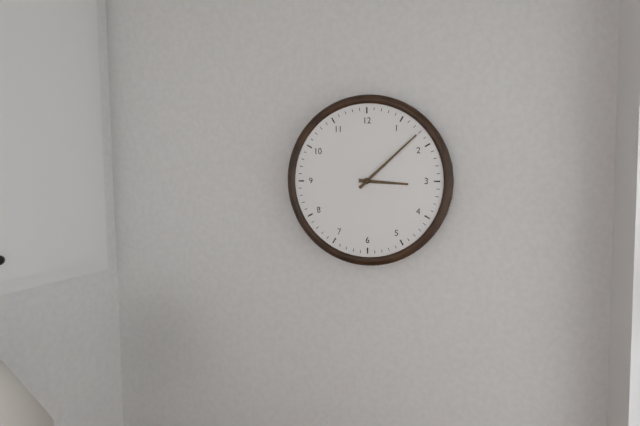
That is 3:08
